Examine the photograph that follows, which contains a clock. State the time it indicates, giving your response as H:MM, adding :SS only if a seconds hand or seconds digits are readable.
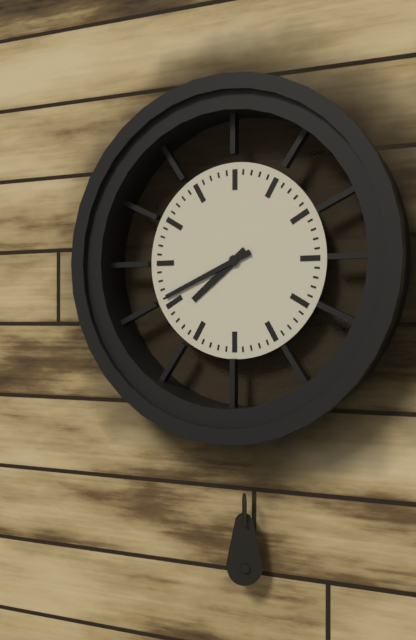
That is 7:41
